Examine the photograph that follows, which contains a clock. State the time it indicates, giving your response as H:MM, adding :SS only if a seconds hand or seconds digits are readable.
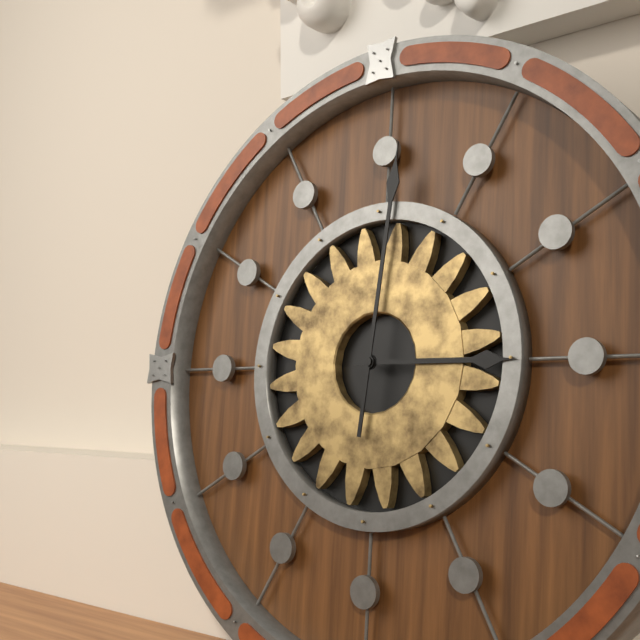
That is 3:01
